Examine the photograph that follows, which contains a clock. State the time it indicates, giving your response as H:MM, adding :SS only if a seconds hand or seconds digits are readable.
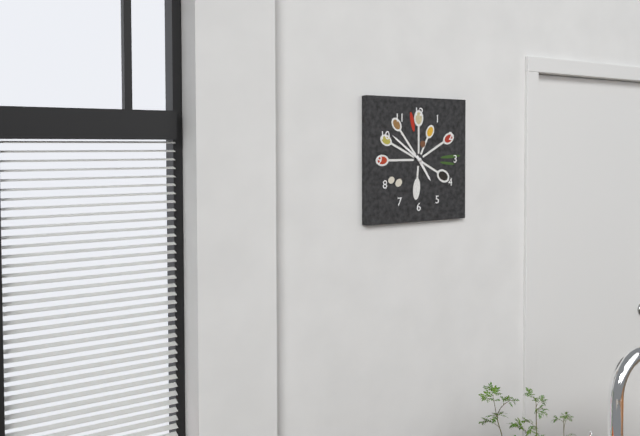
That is 4:51
